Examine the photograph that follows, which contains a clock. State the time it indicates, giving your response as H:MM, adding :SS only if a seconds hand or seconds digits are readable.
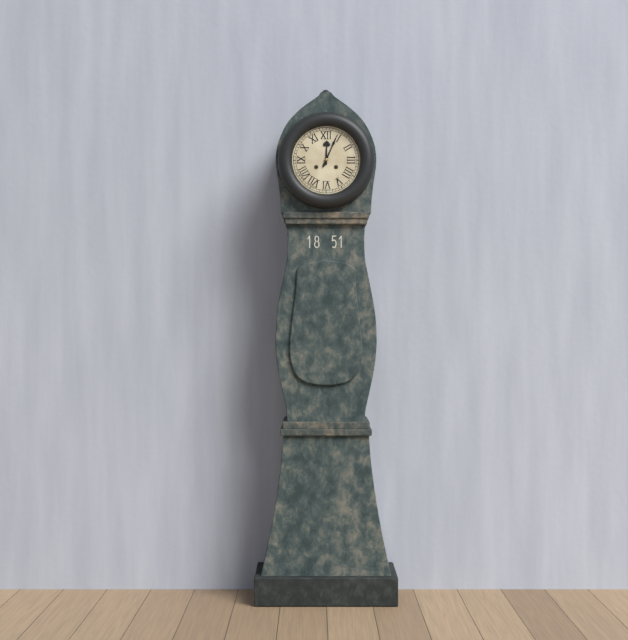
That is 12:04
